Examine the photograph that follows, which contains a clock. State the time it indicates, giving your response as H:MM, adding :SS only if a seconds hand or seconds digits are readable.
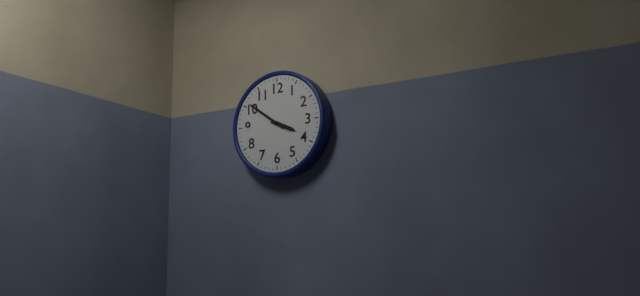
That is 3:51
